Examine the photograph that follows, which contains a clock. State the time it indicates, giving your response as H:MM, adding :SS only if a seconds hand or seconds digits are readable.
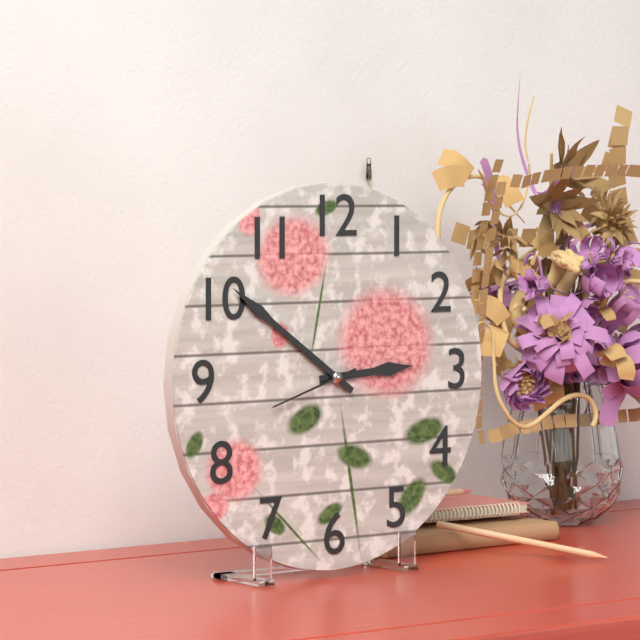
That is 2:51:42
